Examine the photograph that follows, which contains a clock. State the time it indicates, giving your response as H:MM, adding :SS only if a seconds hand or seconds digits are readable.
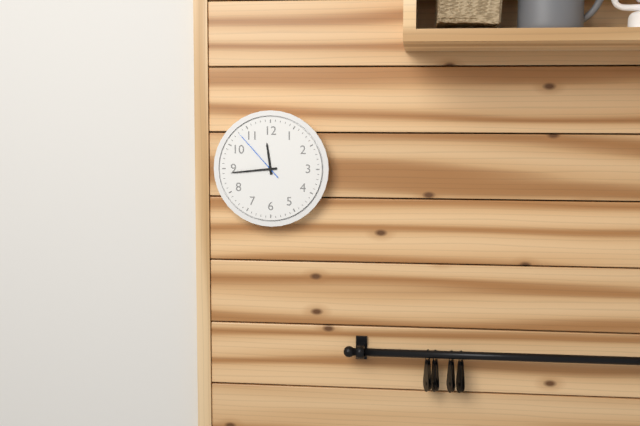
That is 11:44:53
